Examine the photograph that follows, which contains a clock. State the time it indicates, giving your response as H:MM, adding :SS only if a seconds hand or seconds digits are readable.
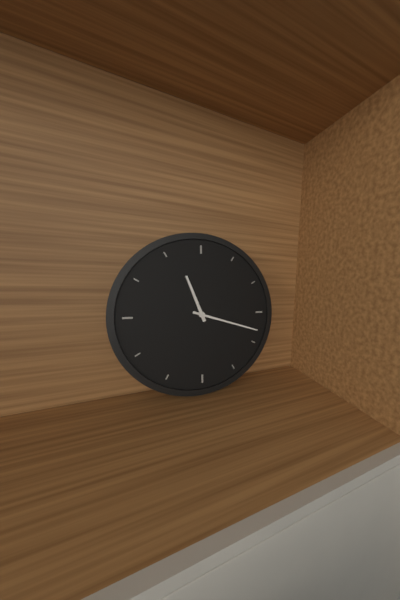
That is 11:18
